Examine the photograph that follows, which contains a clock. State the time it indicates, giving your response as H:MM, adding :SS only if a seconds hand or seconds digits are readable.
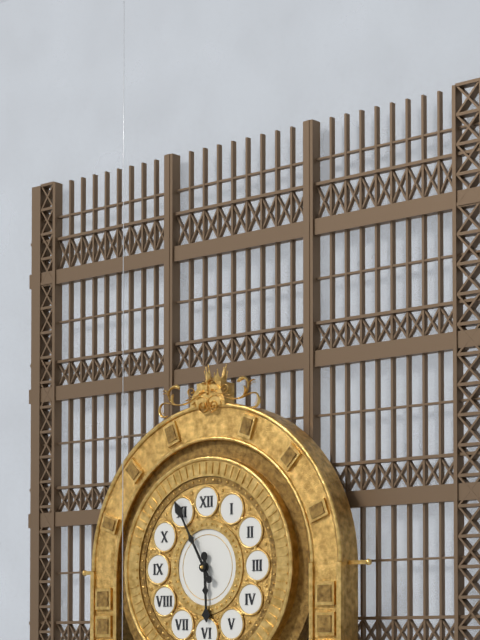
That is 5:55
